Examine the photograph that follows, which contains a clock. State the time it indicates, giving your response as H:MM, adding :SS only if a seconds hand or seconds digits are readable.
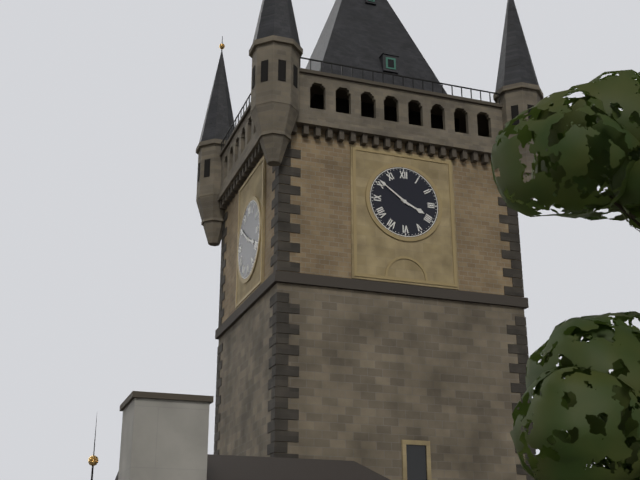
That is 3:51
